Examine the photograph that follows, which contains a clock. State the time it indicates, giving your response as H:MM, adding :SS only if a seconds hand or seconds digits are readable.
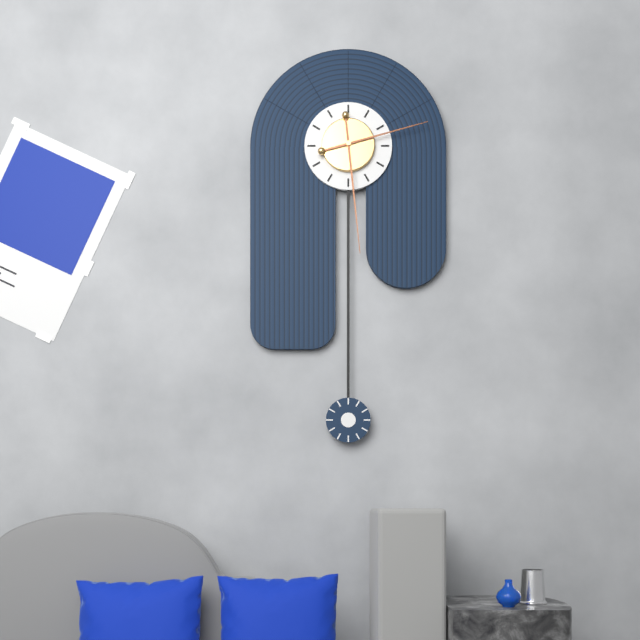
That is 2:29
